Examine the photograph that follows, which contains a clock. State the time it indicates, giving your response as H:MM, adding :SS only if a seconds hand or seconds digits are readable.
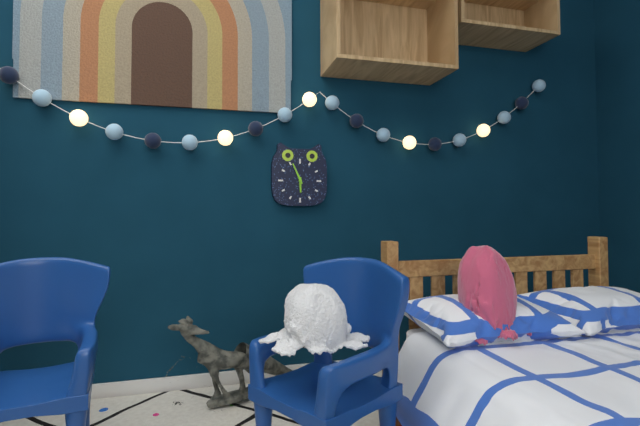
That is 5:56
